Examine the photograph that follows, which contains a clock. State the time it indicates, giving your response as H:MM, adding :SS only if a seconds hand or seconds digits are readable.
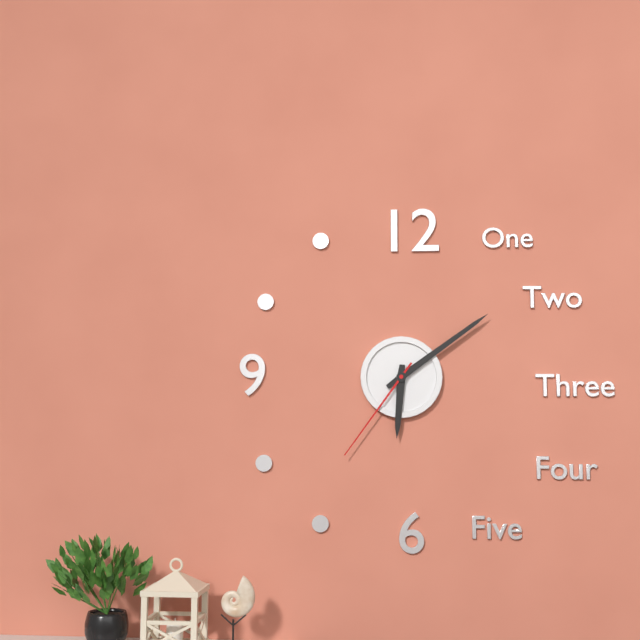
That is 6:09:36
